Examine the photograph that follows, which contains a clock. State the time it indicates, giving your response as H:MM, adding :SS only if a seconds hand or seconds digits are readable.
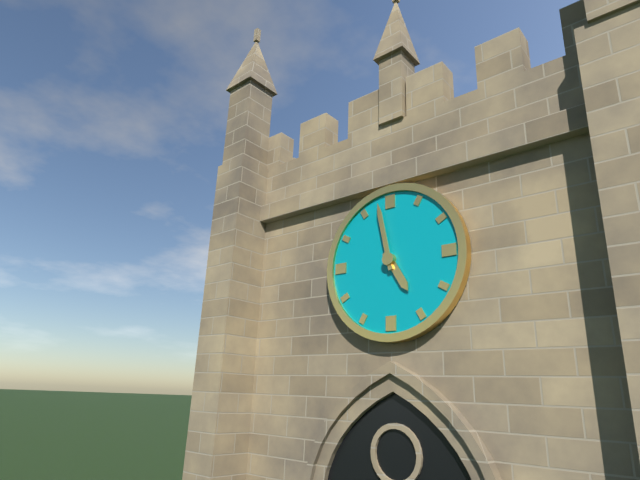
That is 4:58
